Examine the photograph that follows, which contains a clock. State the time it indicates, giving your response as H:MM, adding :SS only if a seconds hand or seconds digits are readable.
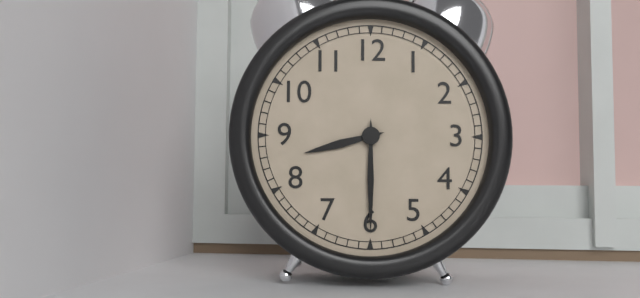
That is 8:30
